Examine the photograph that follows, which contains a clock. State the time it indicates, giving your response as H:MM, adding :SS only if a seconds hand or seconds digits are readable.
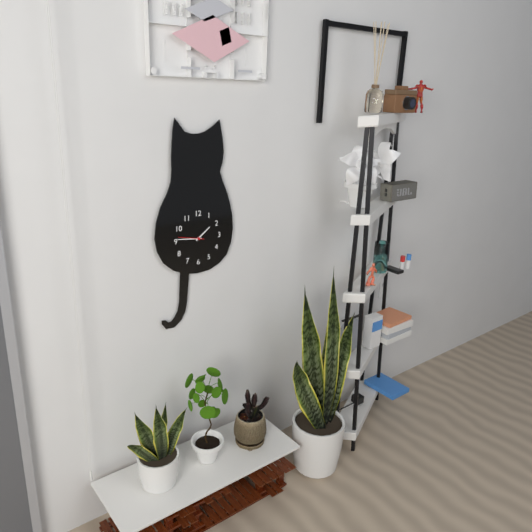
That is 1:46
